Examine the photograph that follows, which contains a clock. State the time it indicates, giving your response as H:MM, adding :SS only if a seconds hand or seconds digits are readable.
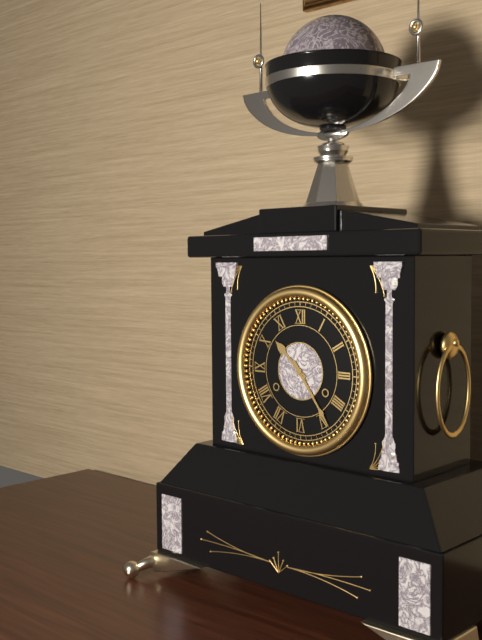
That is 10:24
